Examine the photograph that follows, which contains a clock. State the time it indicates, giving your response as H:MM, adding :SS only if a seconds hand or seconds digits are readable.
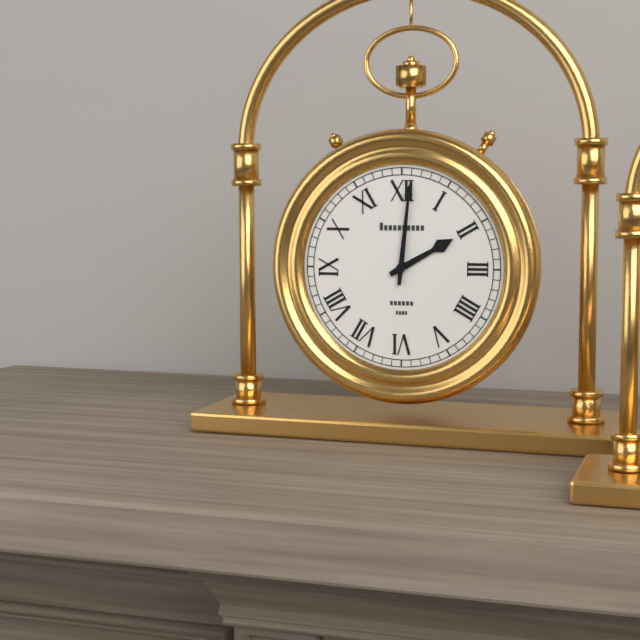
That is 2:01
